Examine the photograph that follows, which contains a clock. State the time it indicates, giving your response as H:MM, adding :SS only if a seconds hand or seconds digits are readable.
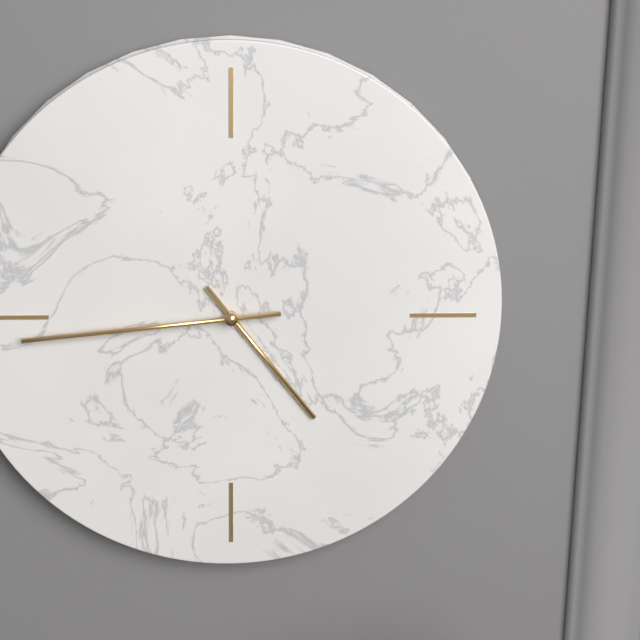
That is 4:44
